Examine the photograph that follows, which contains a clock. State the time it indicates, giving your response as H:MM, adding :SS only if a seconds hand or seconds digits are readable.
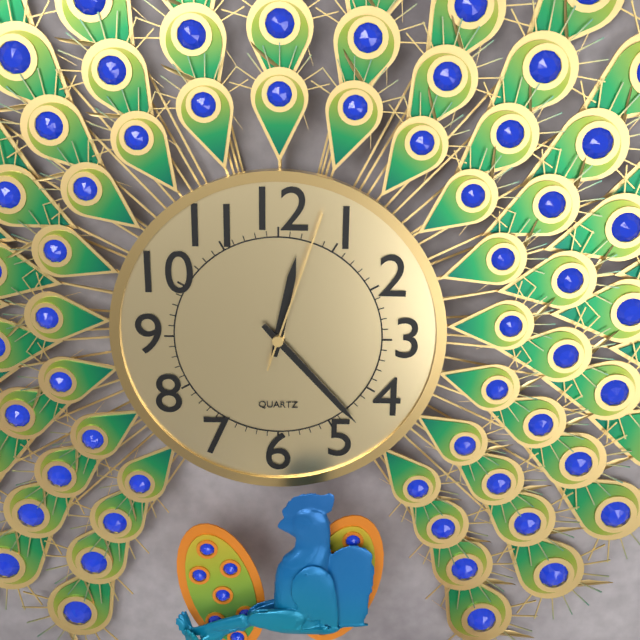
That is 12:23:03
